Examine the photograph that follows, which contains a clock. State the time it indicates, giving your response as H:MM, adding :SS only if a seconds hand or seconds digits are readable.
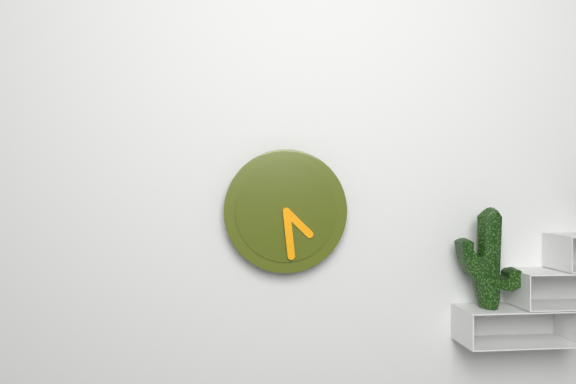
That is 4:29
